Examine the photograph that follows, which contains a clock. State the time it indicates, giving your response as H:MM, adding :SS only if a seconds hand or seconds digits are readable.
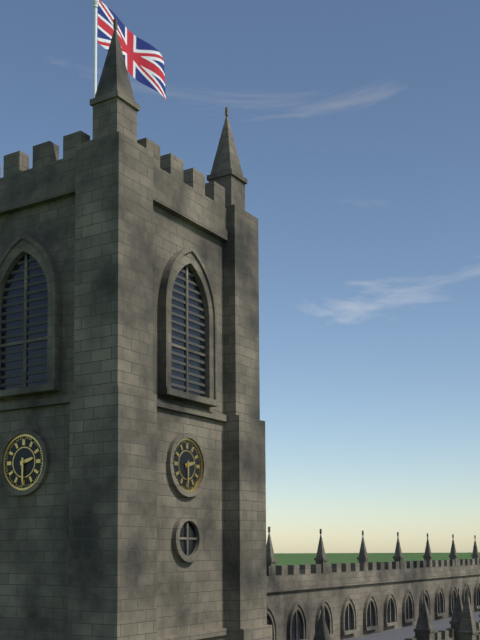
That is 2:30
